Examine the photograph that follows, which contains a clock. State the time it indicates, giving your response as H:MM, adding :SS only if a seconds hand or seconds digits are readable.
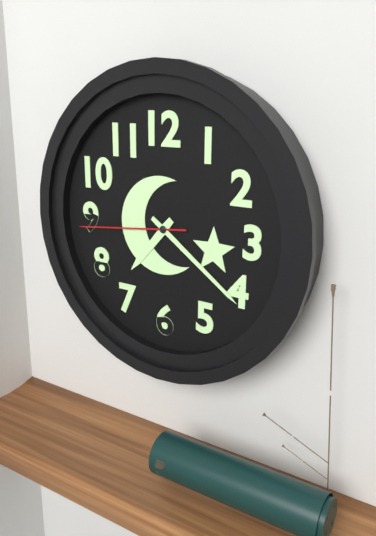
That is 7:21:44
